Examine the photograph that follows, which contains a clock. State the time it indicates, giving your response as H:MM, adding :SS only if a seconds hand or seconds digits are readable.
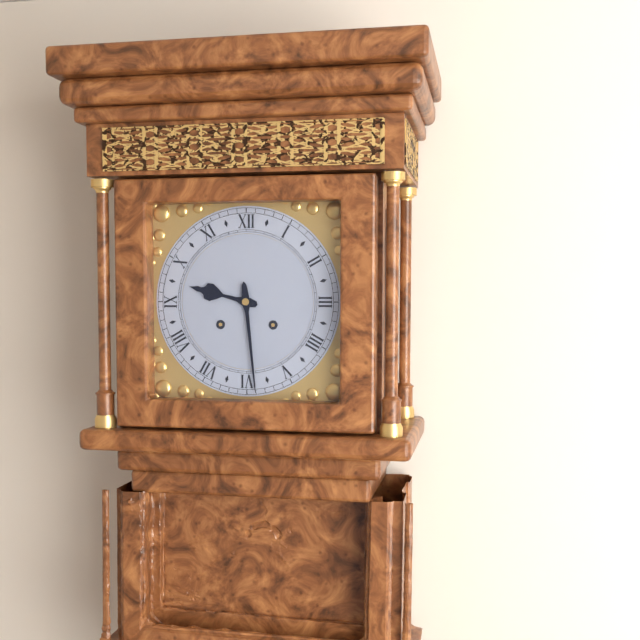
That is 9:29
